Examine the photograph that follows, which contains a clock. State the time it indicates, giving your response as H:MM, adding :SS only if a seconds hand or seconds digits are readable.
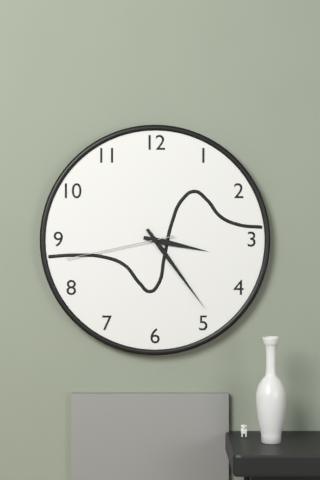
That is 3:24:43
